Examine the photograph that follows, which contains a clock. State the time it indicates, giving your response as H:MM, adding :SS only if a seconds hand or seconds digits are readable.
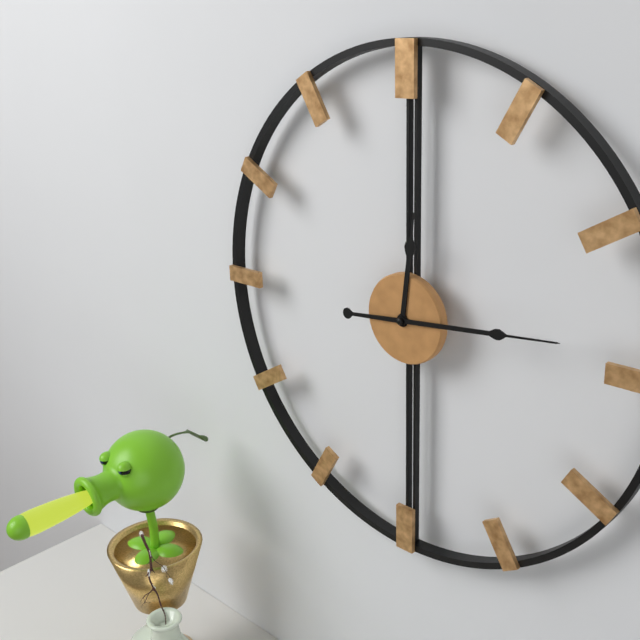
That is 12:14
